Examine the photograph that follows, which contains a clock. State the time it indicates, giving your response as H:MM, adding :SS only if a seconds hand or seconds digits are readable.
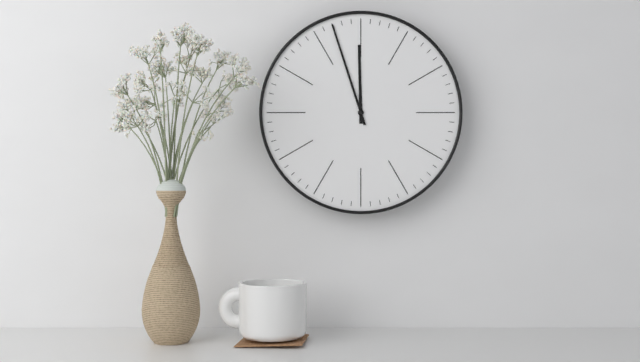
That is 11:57
